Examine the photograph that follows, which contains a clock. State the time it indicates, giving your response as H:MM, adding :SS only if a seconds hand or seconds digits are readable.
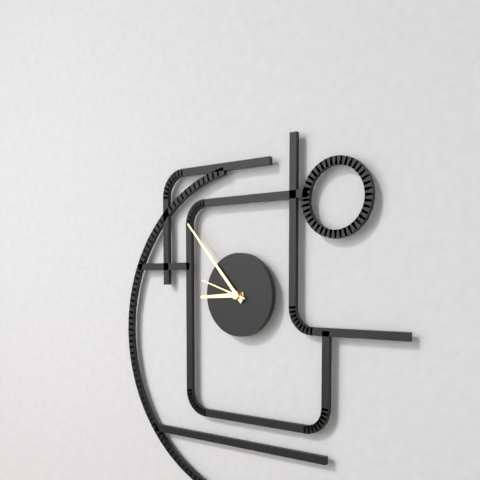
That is 8:53:48
